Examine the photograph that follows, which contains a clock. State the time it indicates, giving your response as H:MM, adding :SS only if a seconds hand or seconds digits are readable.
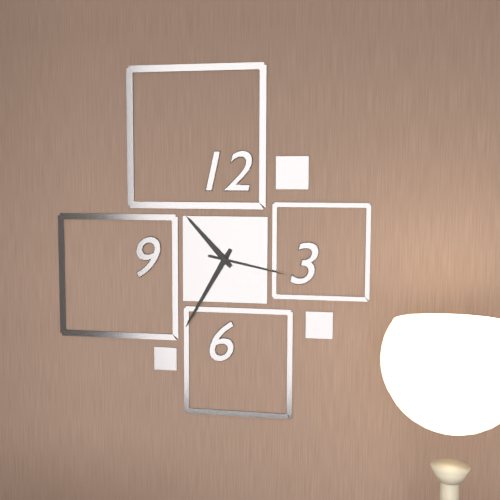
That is 10:35:17
